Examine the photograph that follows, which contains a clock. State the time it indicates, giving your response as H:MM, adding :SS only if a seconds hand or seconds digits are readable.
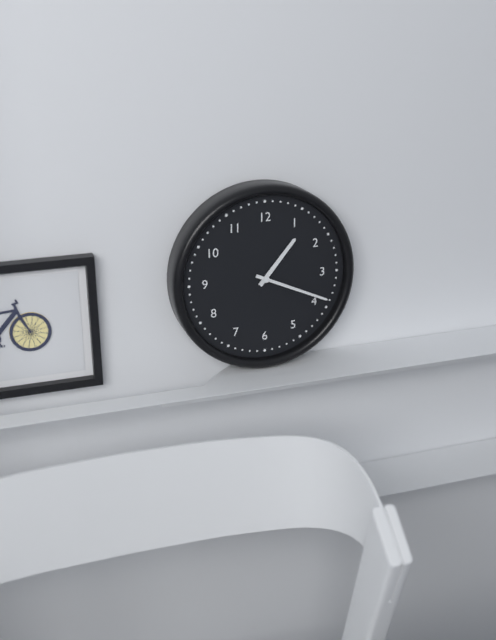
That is 1:19
